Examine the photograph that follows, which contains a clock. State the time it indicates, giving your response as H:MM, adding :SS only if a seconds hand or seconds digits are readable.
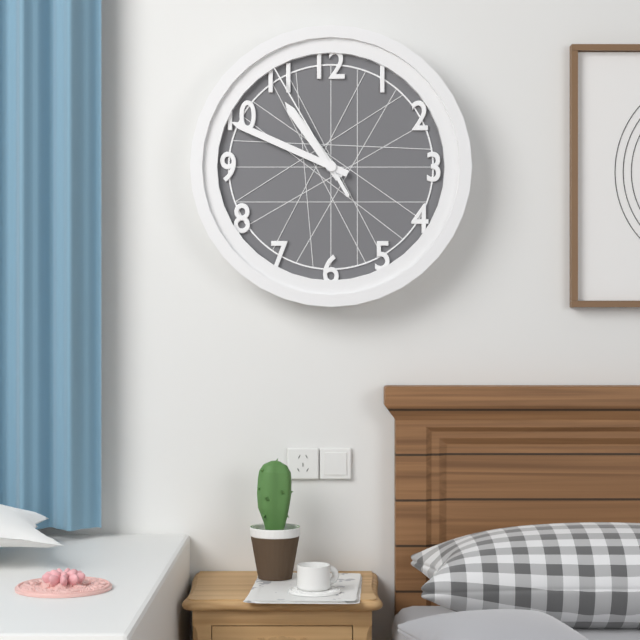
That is 10:49:55
